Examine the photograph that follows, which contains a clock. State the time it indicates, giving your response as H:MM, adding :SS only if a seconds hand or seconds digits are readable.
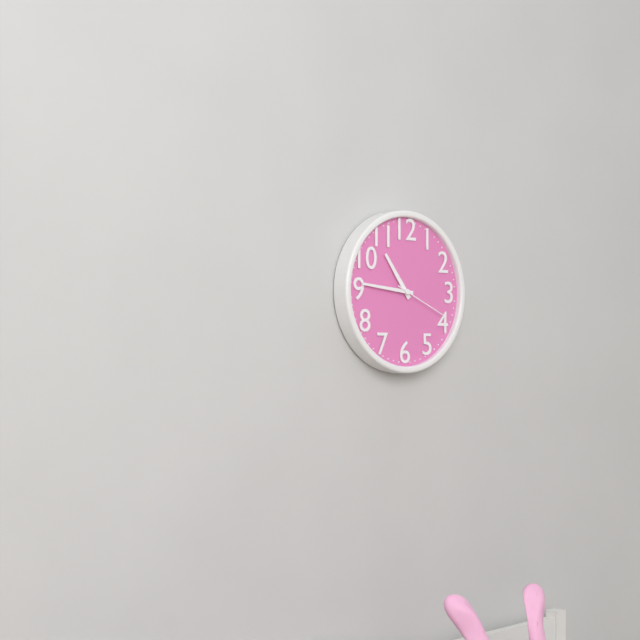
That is 10:46:19
